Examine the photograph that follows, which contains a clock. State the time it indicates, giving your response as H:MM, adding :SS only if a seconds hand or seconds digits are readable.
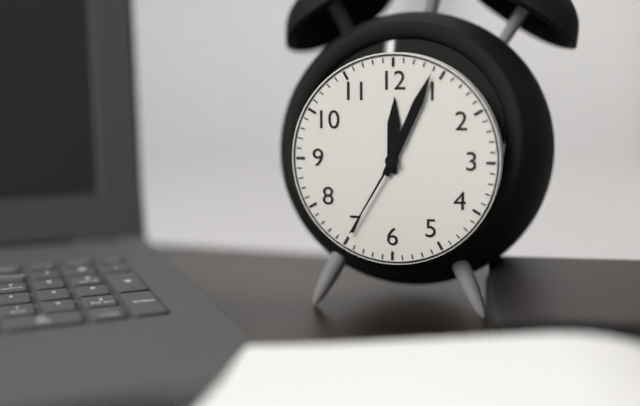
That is 12:04:35
